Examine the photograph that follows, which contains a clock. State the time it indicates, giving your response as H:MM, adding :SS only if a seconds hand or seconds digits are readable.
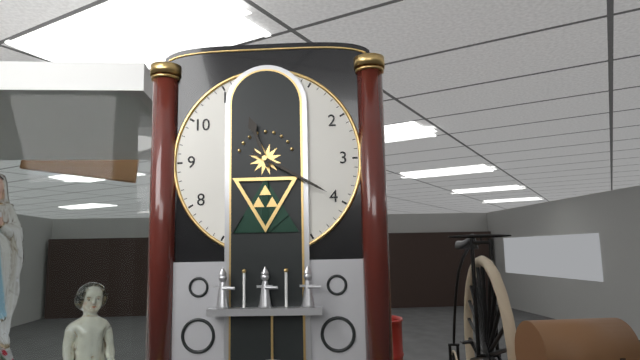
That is 11:20
